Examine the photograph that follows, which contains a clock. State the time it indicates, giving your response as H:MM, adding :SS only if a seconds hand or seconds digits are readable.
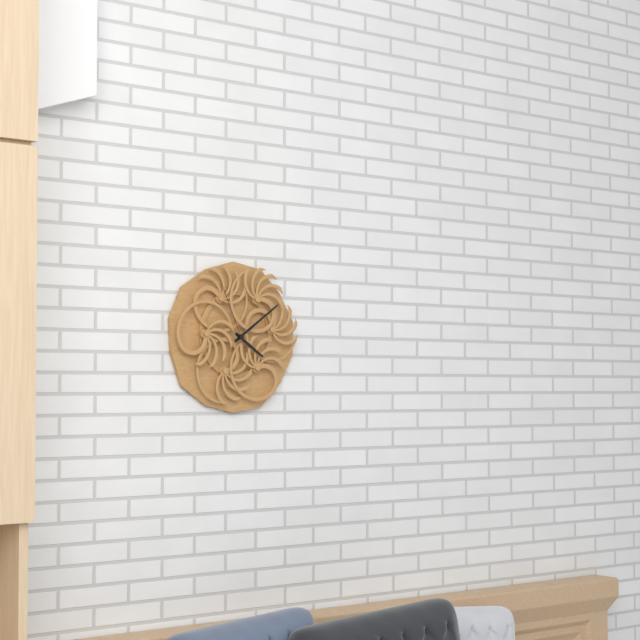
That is 4:09:56
